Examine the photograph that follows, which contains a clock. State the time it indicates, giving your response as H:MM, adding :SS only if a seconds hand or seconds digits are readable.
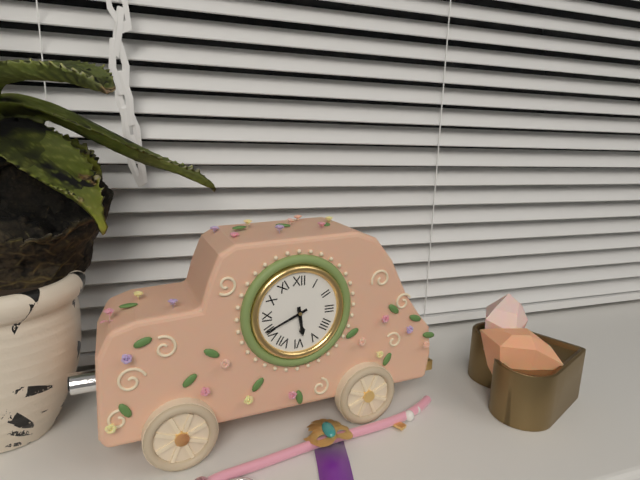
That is 5:41
